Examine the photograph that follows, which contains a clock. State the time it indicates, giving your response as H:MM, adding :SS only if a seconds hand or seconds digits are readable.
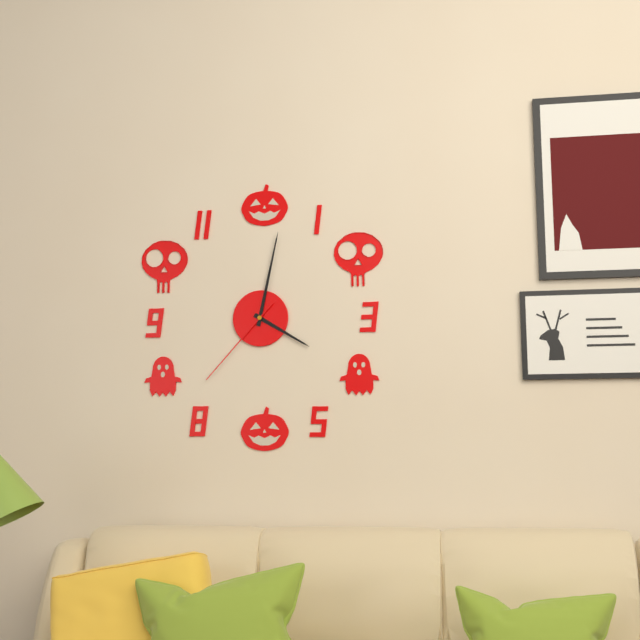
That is 4:02:37
